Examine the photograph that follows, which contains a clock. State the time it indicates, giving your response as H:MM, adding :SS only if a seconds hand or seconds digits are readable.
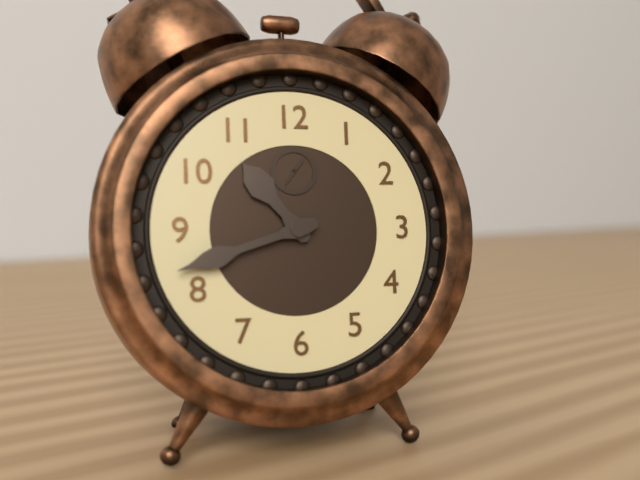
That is 10:42
